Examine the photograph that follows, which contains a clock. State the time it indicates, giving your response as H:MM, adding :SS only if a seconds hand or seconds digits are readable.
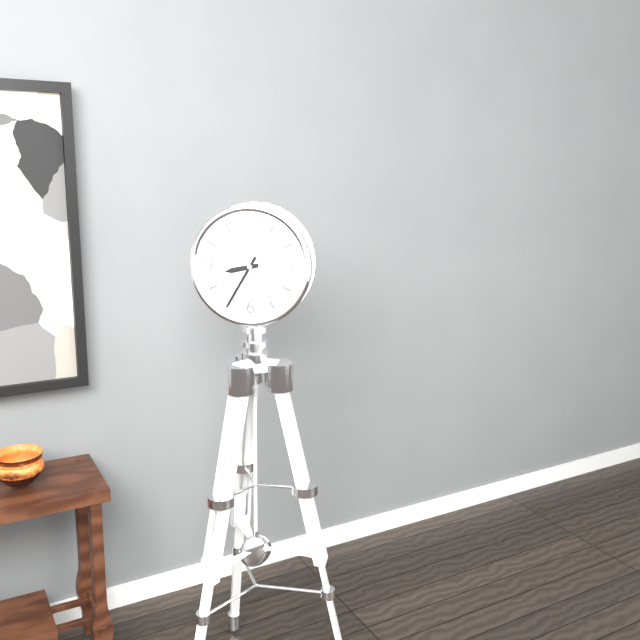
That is 8:35
